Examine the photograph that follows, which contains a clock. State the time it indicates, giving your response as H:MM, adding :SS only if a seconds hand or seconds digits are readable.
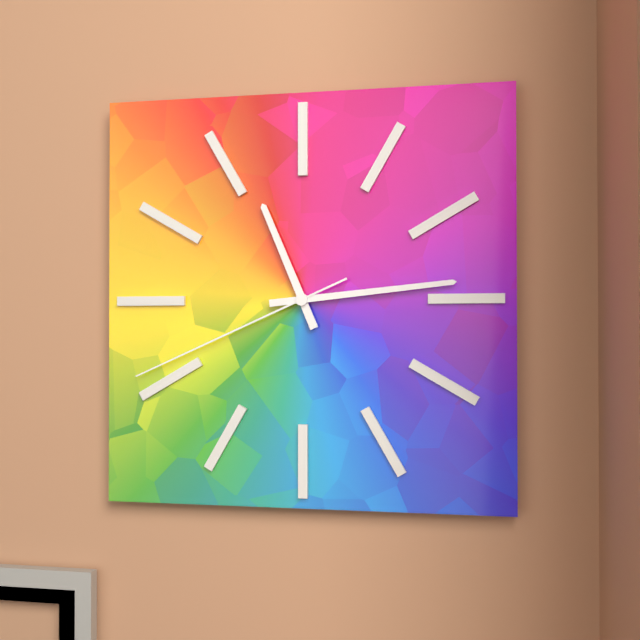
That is 11:14:41
